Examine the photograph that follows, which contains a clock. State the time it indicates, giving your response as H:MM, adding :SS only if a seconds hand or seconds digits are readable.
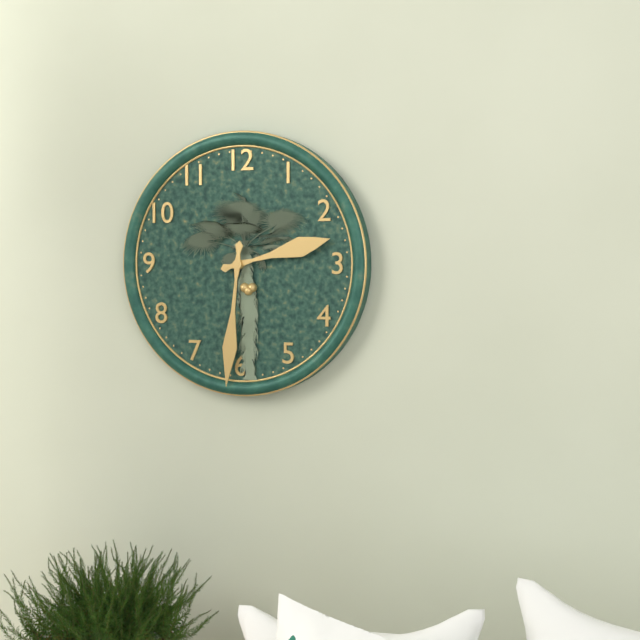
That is 2:31
